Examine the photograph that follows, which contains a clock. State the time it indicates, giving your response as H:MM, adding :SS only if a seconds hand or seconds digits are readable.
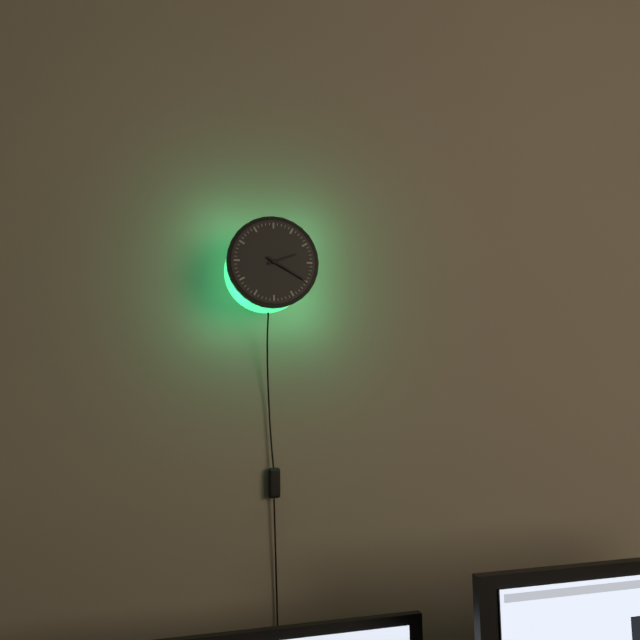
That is 2:20
